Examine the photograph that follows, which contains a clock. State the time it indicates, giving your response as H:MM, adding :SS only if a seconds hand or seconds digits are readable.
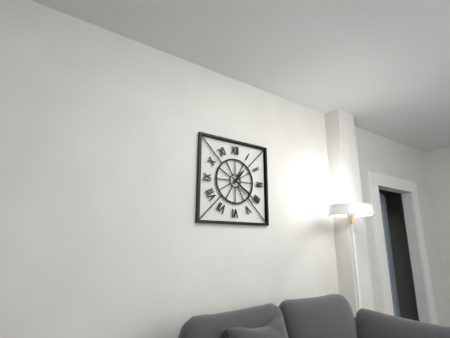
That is 1:21
